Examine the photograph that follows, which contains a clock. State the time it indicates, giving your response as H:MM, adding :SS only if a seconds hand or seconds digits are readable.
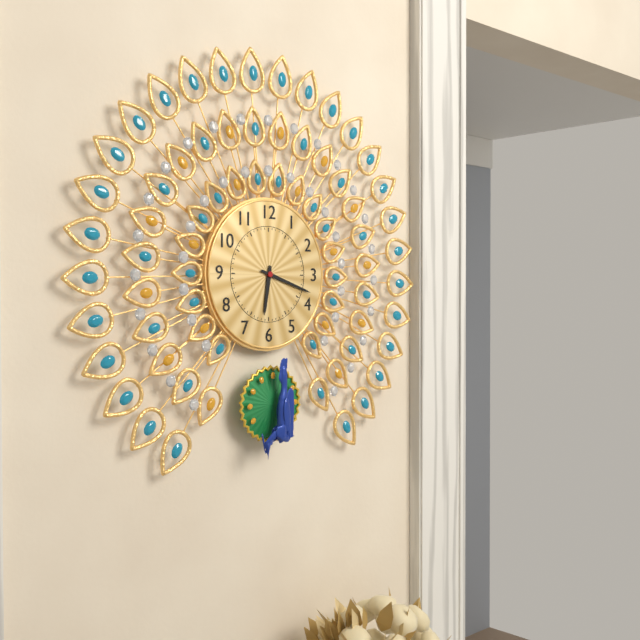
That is 6:18
